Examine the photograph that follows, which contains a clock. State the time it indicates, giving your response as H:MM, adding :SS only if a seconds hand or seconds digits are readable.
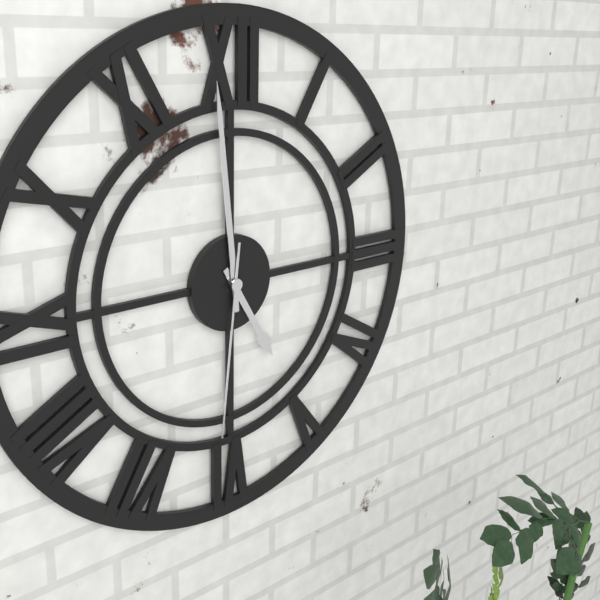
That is 4:59:31
